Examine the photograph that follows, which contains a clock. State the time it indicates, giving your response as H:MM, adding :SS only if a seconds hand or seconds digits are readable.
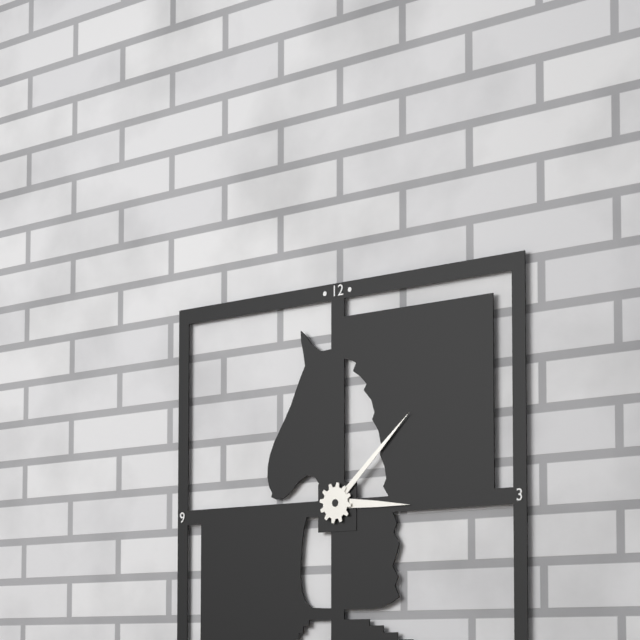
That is 3:08
